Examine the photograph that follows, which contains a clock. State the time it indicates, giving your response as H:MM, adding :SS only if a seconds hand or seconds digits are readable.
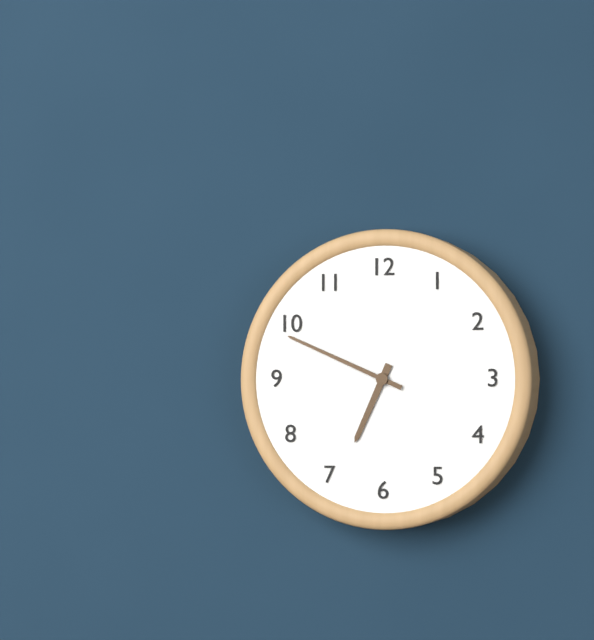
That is 6:49
